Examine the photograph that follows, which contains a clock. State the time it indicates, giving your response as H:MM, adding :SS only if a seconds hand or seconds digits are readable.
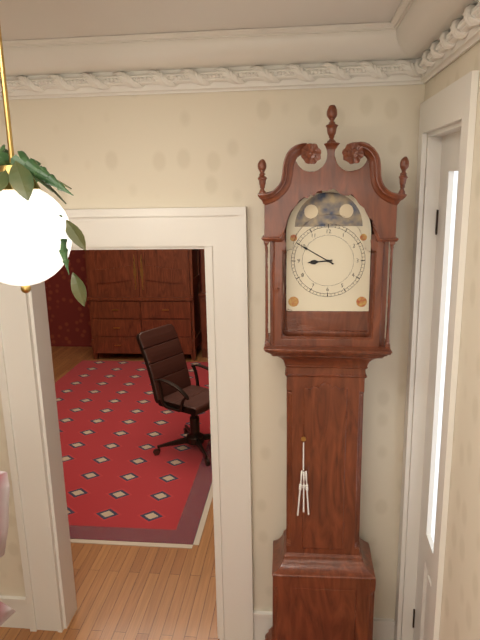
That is 8:50
